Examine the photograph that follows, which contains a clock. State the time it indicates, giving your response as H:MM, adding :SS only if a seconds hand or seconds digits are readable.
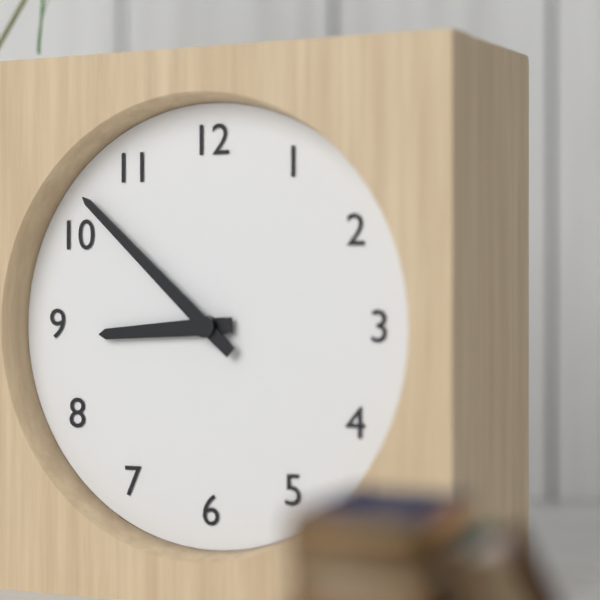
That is 8:52
